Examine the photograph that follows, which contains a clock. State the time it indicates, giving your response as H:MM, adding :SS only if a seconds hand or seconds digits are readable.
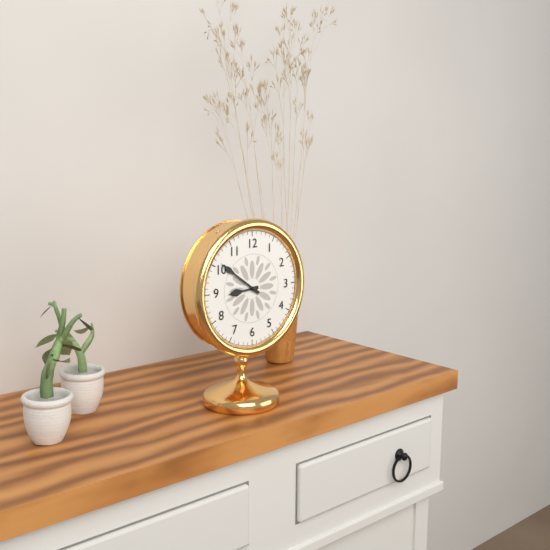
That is 8:51
